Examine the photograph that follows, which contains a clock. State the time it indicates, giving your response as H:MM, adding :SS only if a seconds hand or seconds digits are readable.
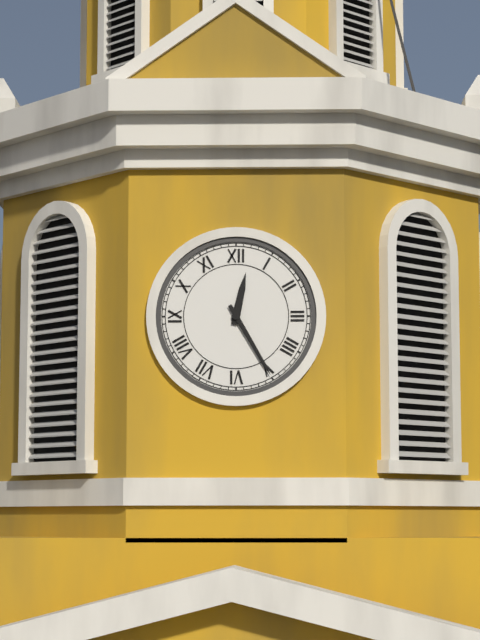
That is 12:25
